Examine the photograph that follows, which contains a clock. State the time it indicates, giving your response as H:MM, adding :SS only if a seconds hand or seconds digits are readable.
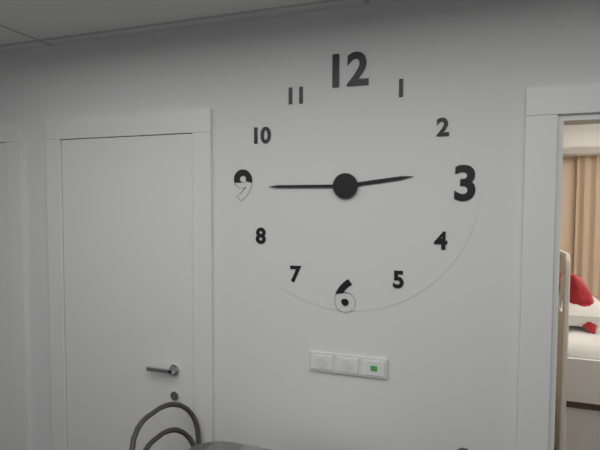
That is 2:45
